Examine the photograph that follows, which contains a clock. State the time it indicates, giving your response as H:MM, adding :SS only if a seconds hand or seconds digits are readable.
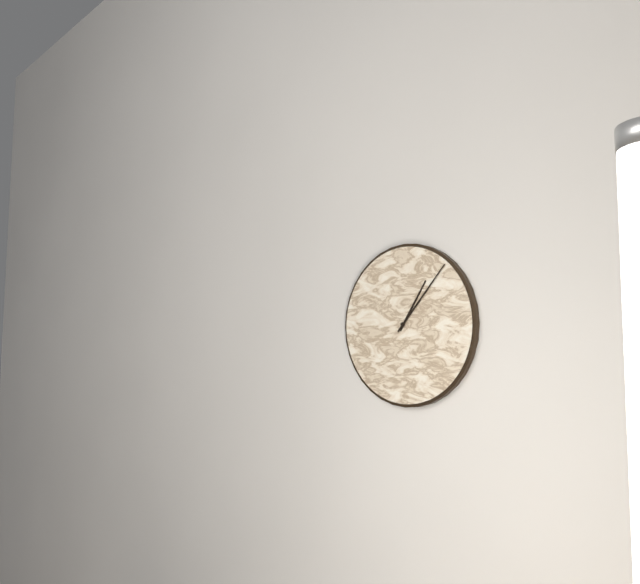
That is 1:07
